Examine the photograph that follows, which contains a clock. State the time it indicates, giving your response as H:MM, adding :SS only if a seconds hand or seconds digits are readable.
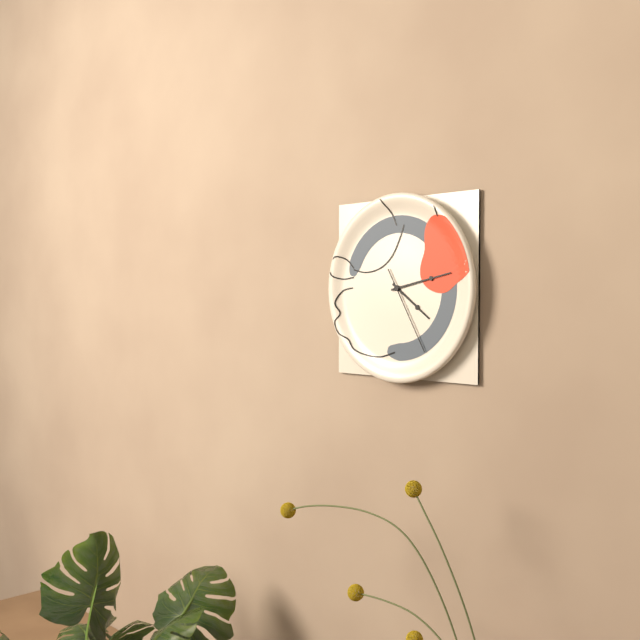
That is 4:13:25
